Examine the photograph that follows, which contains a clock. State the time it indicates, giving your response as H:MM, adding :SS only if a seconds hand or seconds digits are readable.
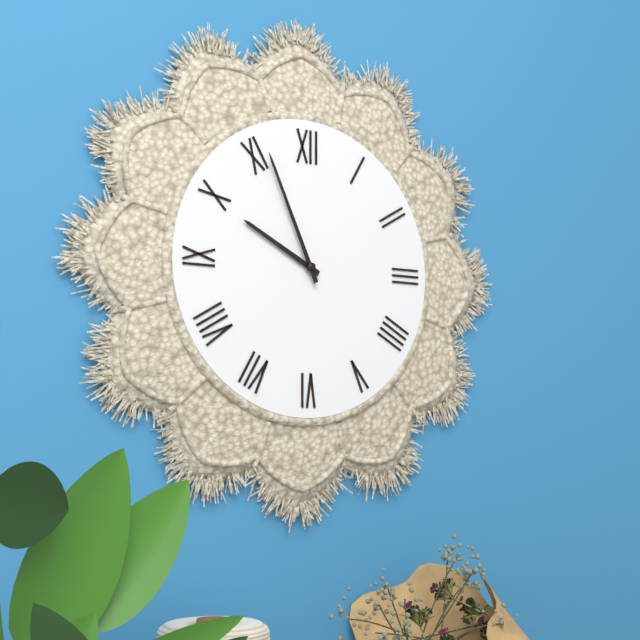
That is 9:56
